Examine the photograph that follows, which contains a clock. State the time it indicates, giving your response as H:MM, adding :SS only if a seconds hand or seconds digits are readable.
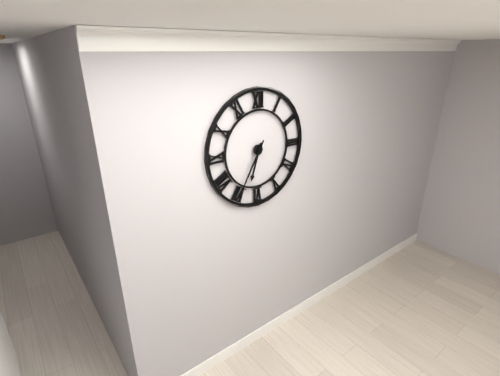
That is 6:35
